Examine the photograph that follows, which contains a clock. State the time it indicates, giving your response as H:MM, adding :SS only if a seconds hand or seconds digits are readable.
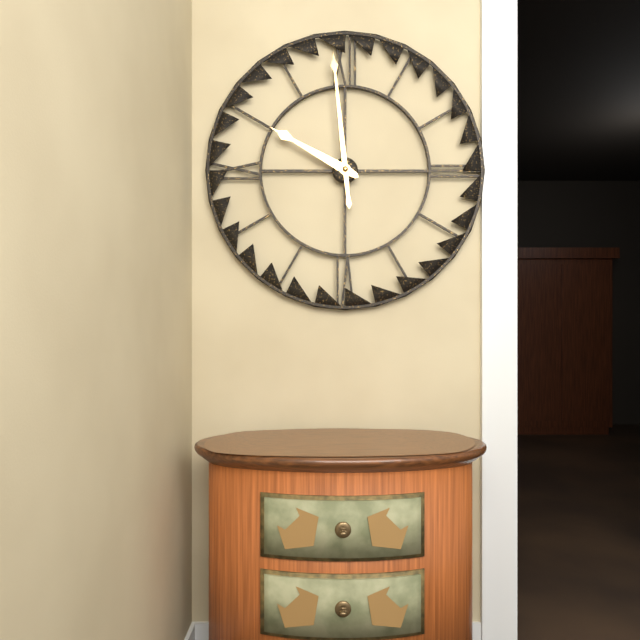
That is 9:59
